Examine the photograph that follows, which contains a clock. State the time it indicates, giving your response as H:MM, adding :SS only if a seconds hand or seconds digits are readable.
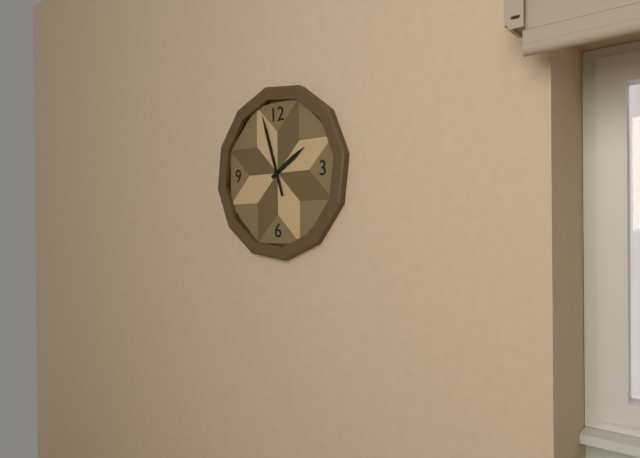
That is 1:57
